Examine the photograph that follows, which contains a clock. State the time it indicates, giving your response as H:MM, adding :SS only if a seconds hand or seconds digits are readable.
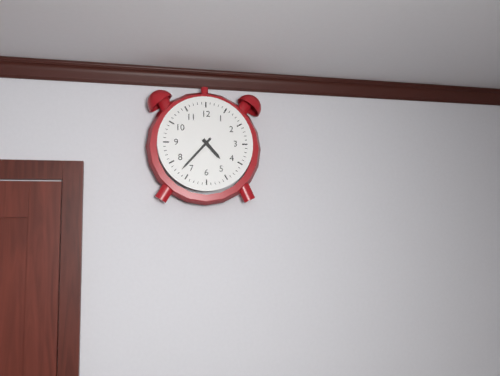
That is 4:37
